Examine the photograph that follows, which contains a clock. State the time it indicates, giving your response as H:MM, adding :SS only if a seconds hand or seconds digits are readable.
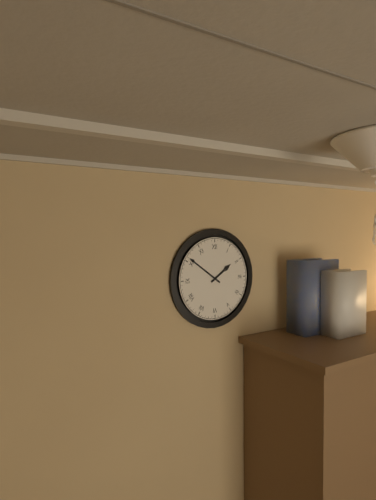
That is 1:51
